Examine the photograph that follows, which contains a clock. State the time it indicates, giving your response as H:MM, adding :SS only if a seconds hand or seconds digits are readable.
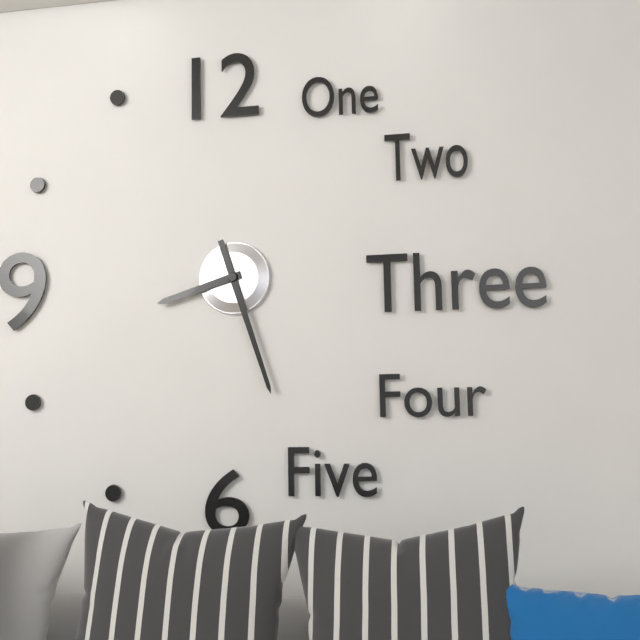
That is 8:27
